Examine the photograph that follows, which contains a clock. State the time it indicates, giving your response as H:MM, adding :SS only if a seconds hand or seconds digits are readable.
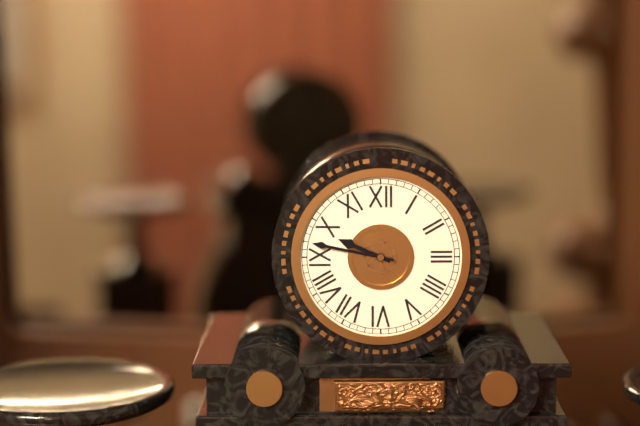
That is 9:47
